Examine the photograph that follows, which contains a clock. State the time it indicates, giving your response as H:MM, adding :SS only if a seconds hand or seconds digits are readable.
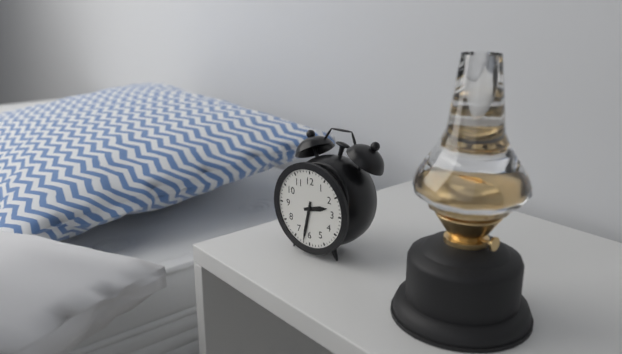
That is 2:32
